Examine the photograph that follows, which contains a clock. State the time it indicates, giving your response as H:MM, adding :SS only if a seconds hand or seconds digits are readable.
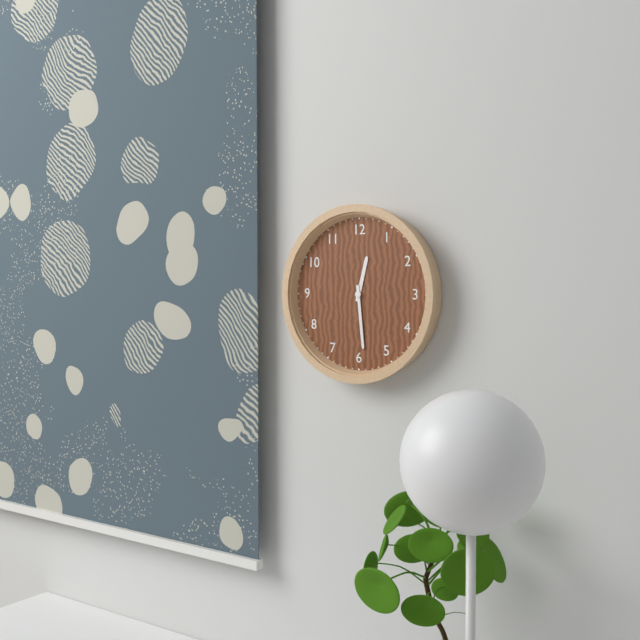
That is 12:29
